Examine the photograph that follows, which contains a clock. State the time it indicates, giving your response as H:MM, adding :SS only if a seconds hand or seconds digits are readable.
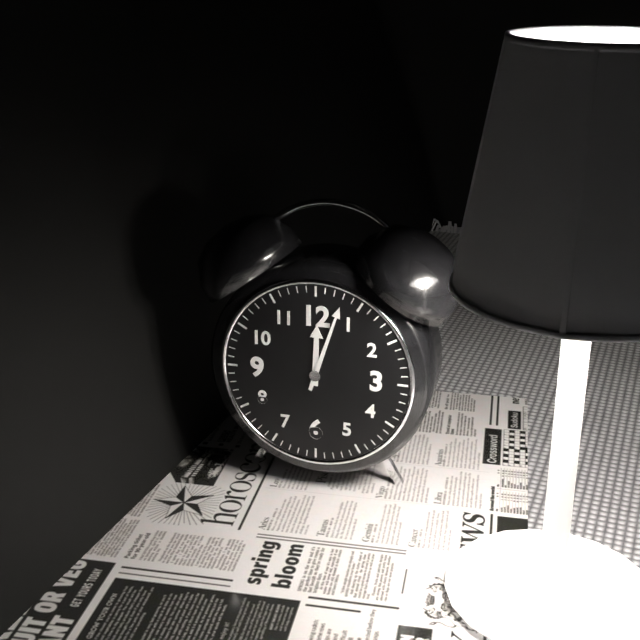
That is 12:03
